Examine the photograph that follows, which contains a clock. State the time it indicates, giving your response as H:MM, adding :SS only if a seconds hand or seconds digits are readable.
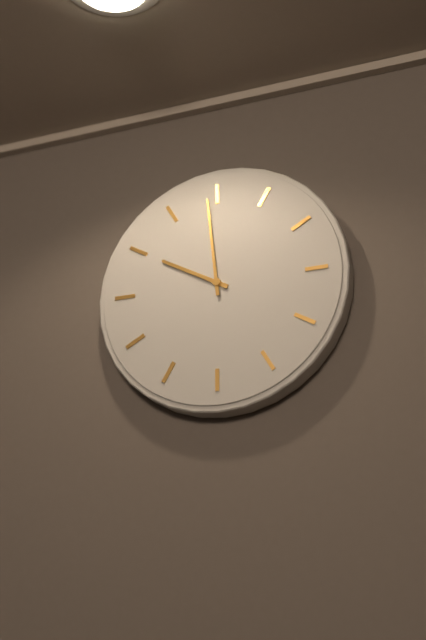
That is 9:59
